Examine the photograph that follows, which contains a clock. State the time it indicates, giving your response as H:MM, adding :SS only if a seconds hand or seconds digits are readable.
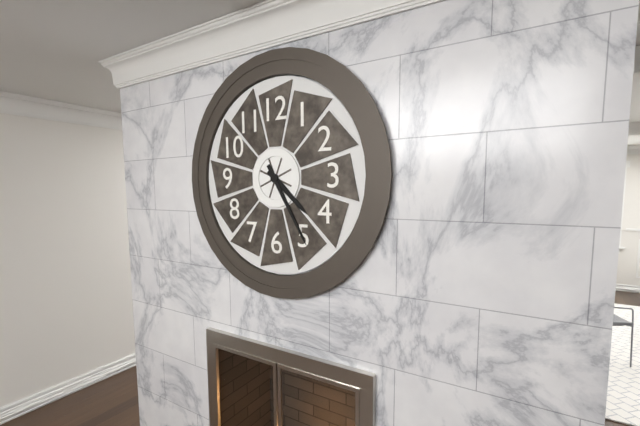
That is 4:25
